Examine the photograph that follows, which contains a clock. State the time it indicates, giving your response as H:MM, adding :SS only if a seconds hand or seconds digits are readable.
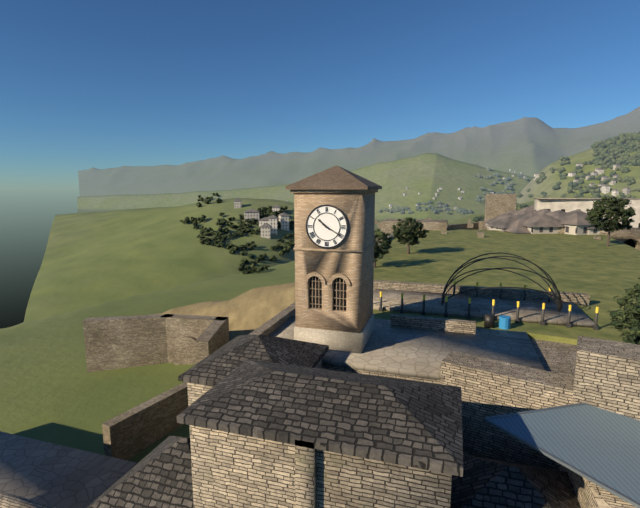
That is 10:20
